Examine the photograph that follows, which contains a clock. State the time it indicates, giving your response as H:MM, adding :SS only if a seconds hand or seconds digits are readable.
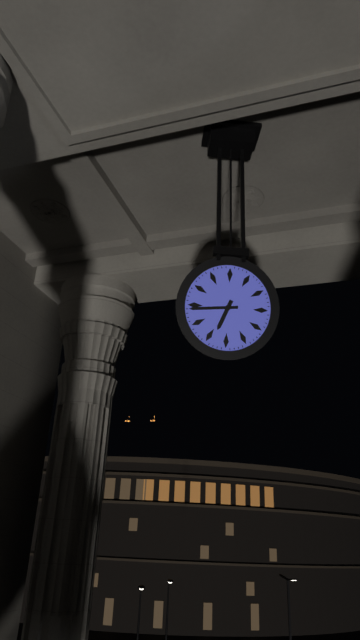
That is 6:44
